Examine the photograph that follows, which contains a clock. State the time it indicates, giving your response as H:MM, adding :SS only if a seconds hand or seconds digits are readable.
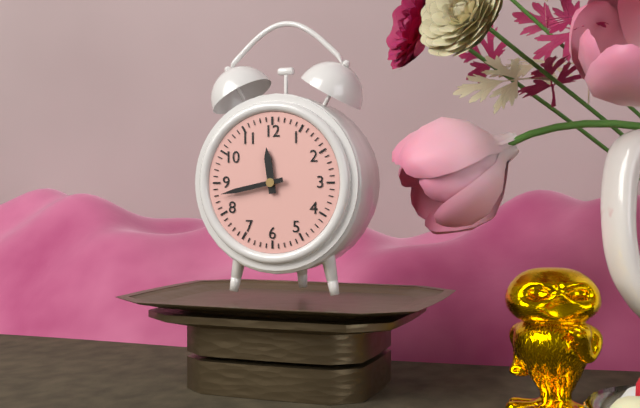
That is 11:43
